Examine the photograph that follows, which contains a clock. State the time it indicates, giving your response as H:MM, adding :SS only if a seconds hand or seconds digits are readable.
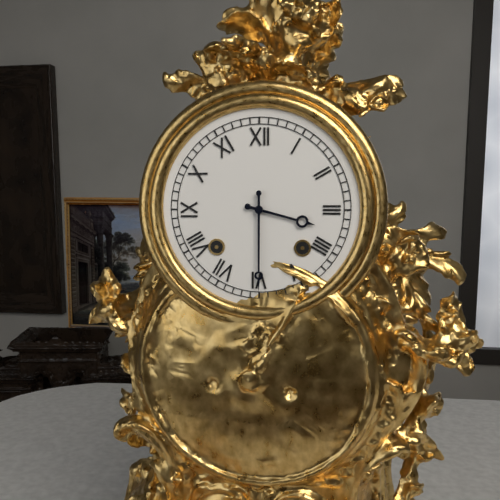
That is 3:30
